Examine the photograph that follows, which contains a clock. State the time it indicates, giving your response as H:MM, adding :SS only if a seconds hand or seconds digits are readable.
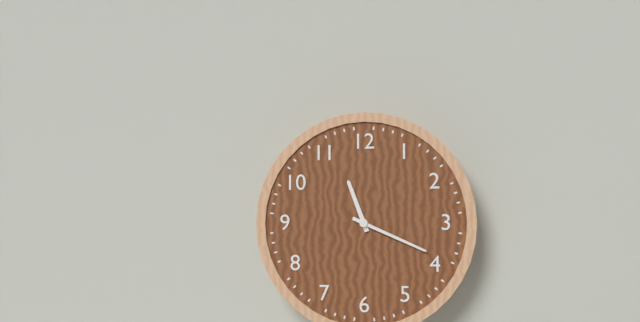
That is 11:19
